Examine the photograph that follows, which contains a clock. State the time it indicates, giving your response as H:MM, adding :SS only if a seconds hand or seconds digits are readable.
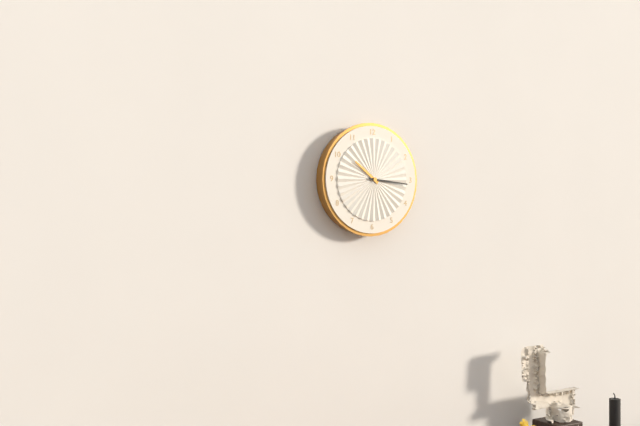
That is 10:16
